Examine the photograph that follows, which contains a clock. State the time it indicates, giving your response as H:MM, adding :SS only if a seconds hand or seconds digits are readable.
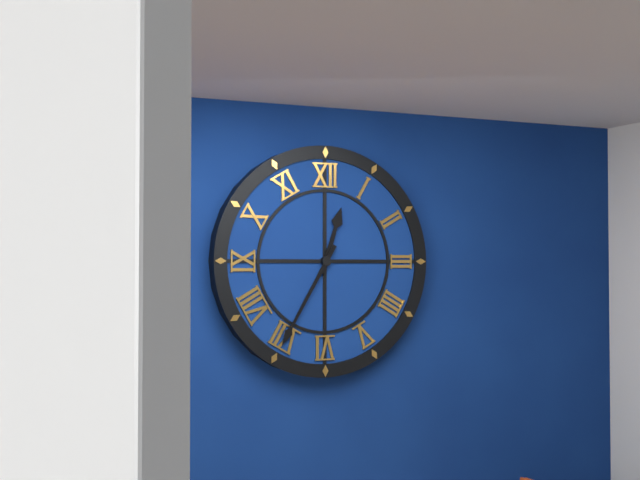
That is 12:35
